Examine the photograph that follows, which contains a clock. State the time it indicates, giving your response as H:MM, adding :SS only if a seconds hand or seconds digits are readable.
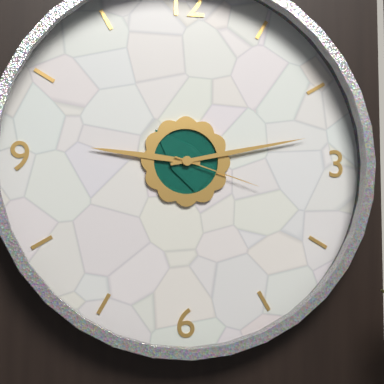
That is 9:13:18
